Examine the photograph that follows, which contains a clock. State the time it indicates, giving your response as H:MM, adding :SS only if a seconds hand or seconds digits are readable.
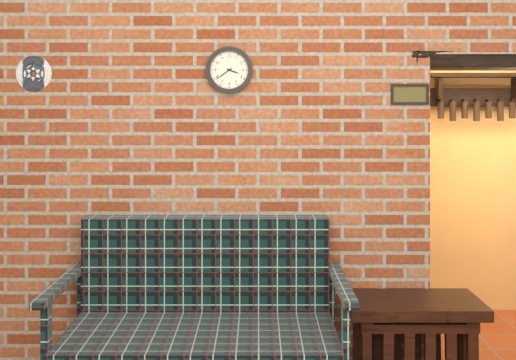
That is 3:39
